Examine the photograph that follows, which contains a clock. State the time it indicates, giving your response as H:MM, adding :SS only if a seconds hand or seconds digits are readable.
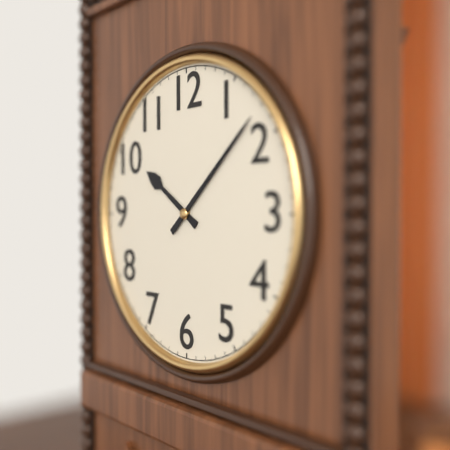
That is 10:08
